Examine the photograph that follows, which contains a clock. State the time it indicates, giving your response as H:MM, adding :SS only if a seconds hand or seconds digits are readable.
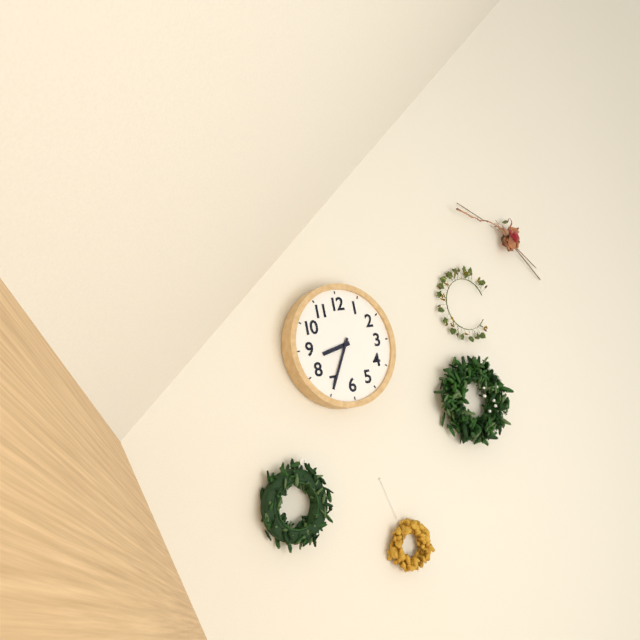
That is 8:35
